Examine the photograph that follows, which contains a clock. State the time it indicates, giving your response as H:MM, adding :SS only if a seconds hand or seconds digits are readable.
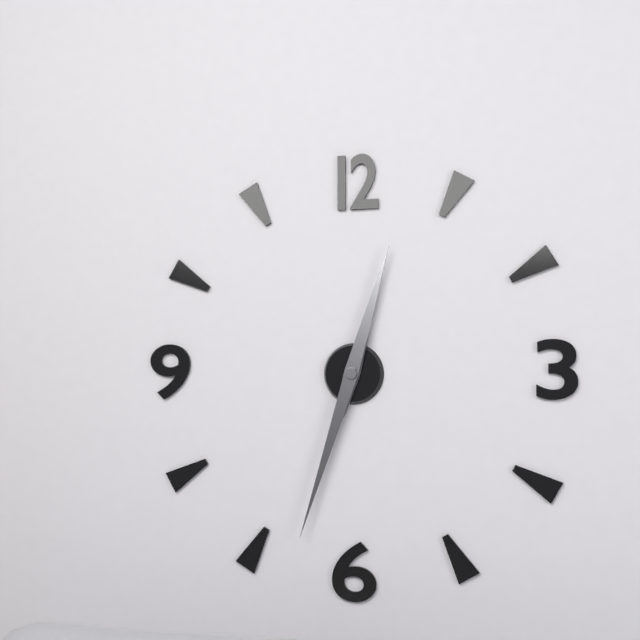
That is 12:33
